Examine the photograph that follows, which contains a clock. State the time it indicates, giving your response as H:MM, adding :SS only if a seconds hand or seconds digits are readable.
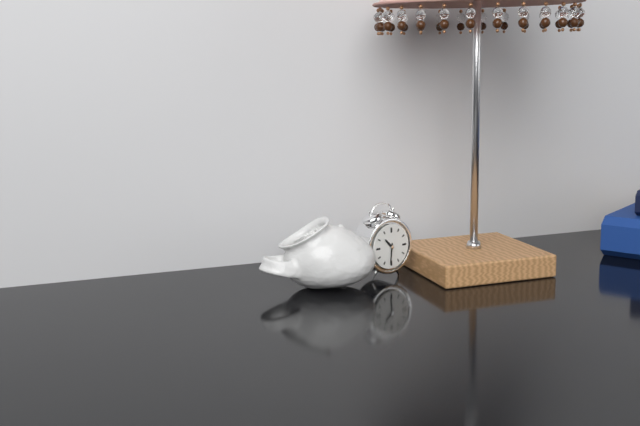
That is 10:31
